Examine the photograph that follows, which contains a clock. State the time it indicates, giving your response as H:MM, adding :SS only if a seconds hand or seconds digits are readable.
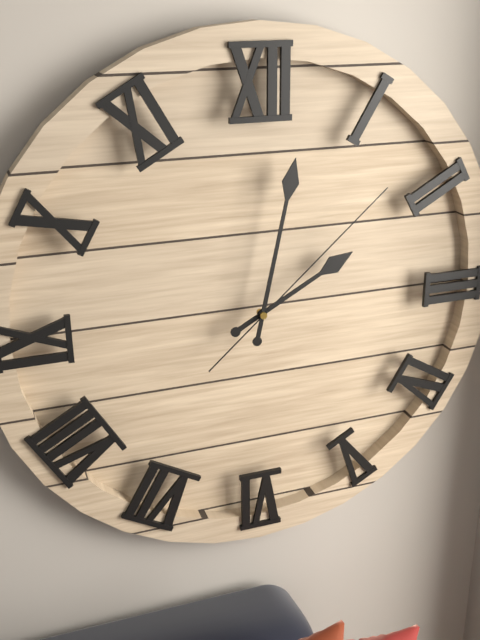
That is 2:02:08
